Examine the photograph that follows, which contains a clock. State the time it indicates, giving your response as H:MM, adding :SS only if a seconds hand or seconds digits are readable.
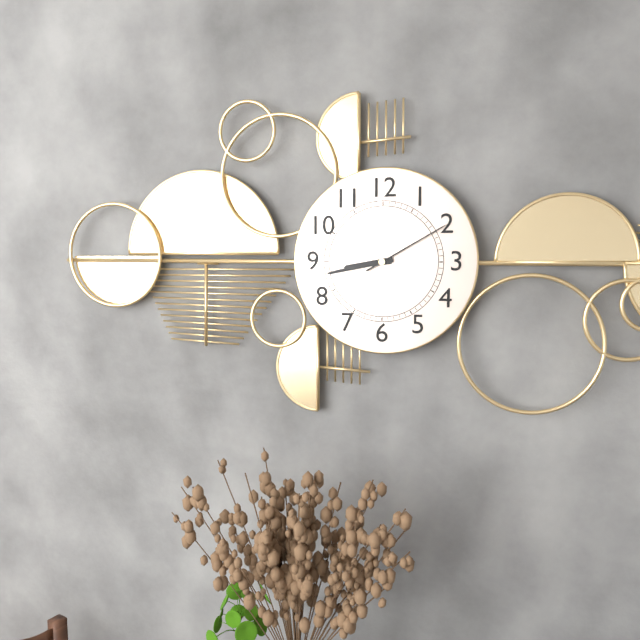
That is 8:43:10
